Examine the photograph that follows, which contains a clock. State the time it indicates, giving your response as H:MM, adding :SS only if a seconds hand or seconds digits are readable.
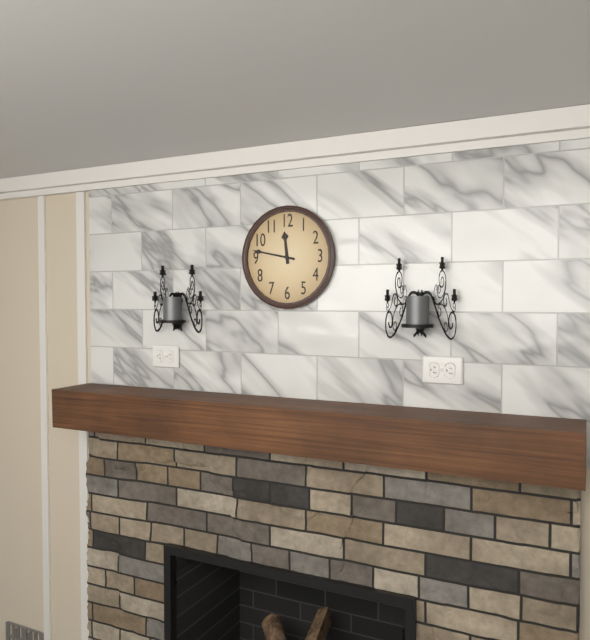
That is 11:47
